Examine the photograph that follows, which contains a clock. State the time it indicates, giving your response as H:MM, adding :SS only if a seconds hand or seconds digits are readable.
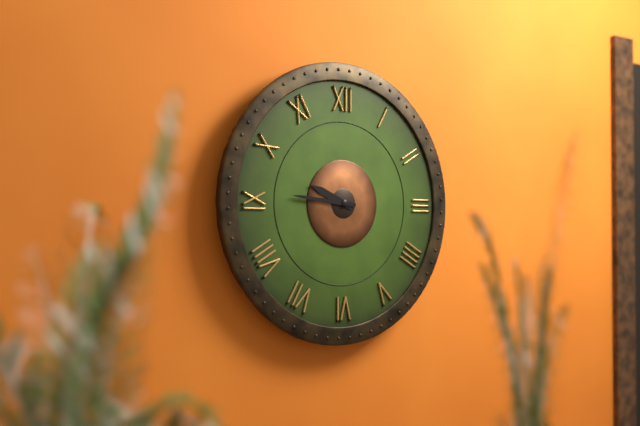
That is 9:46
